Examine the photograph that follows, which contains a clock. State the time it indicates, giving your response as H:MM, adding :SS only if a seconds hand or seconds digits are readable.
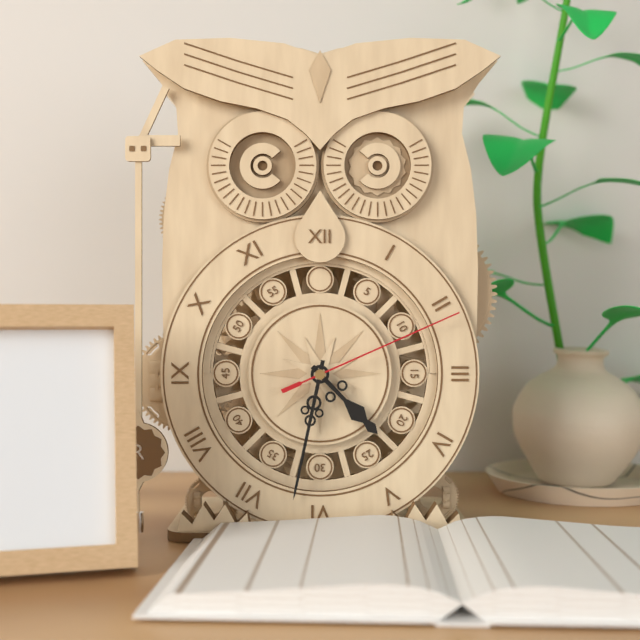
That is 4:32:11
